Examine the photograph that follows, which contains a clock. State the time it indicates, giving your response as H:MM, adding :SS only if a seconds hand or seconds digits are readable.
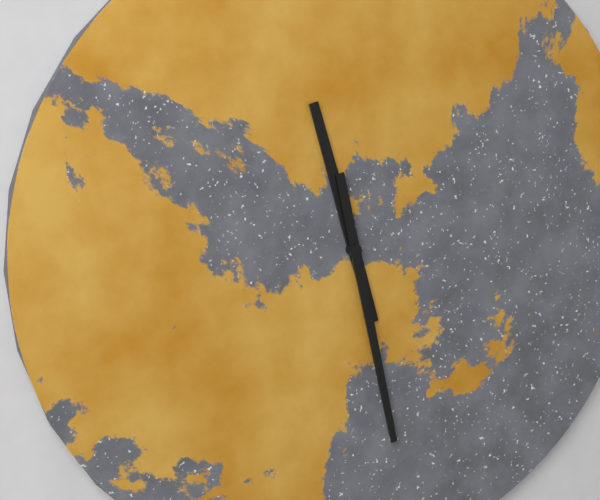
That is 11:28
